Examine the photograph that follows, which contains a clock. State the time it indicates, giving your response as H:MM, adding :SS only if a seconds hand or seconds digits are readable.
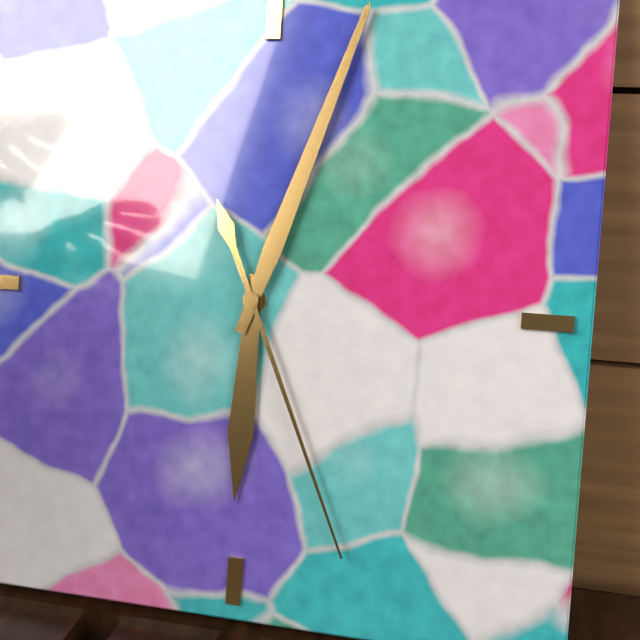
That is 6:03:26
